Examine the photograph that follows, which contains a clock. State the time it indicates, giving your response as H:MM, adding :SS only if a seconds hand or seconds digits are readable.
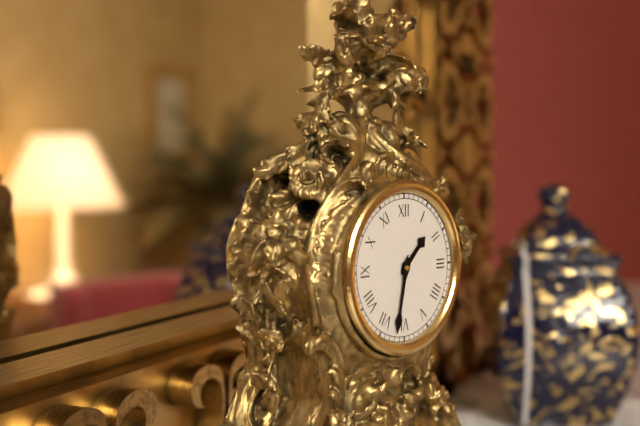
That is 1:32
